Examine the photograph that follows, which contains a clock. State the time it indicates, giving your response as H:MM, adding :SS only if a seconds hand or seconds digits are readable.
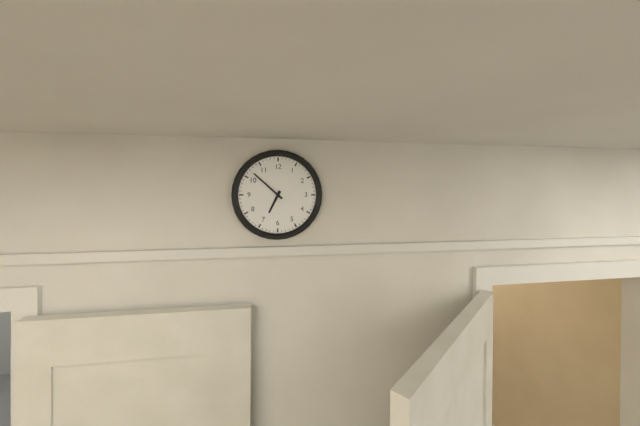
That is 6:52
